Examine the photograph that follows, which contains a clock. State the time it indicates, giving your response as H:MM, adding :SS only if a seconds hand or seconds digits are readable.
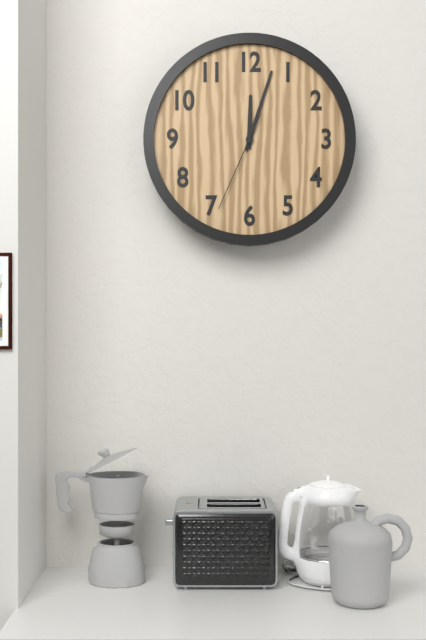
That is 12:03:34
